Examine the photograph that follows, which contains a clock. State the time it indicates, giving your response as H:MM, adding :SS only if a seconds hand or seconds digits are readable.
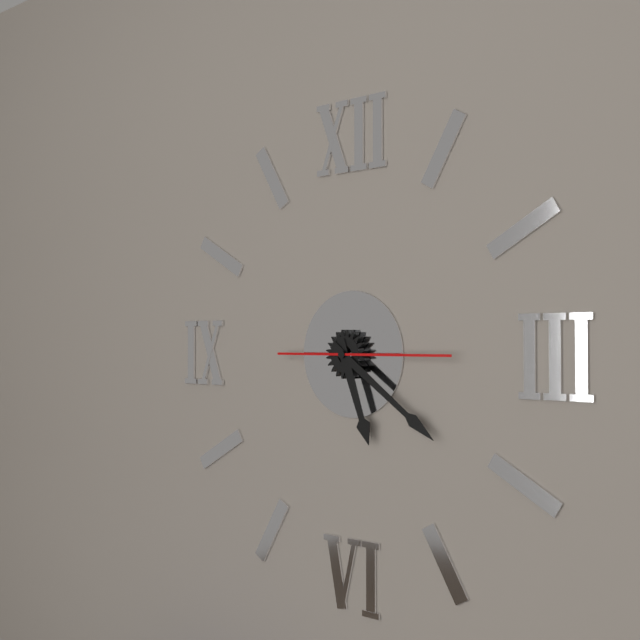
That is 5:21:15
